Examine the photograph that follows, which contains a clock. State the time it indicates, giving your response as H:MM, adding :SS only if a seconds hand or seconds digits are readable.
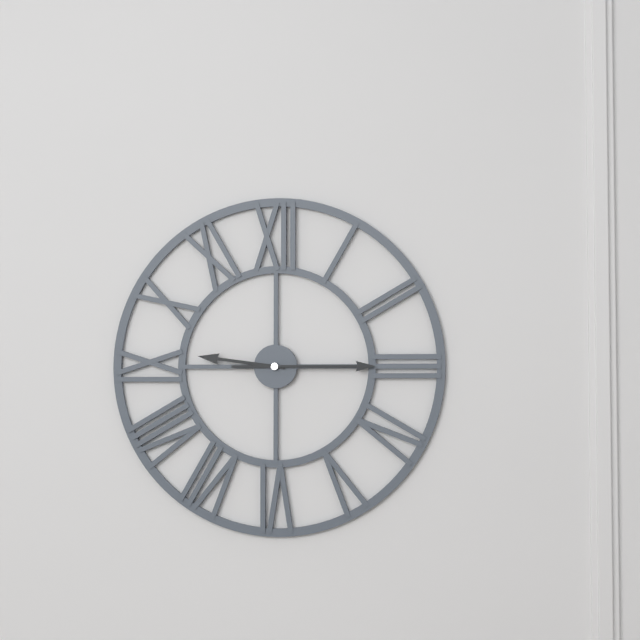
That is 9:15
